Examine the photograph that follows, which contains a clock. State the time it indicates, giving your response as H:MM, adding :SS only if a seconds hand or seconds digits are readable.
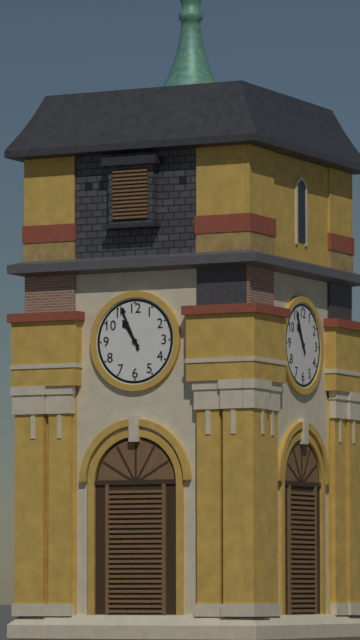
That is 10:56
